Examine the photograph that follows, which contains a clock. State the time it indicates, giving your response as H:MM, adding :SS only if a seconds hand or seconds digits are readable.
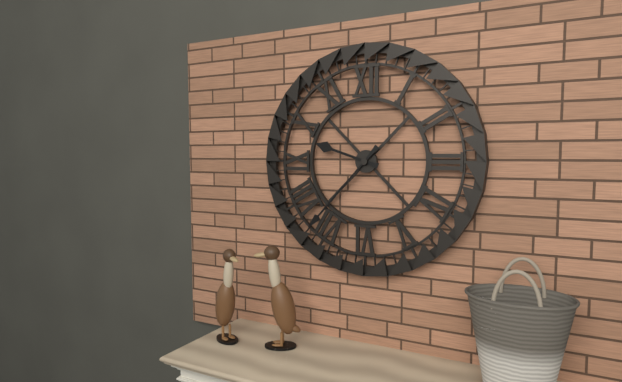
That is 9:37
